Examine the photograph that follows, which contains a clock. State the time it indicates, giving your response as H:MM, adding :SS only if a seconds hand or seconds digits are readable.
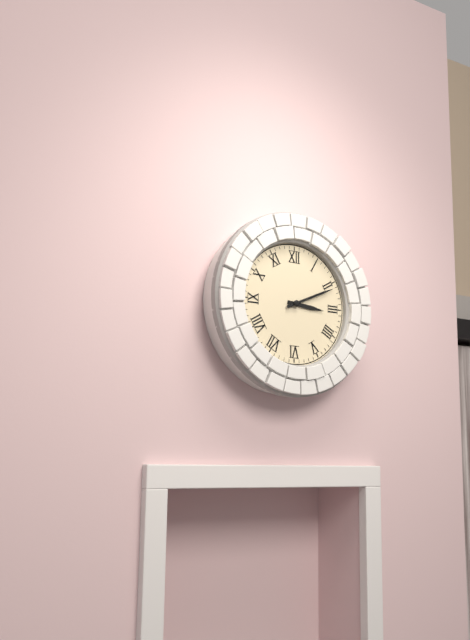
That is 3:11
